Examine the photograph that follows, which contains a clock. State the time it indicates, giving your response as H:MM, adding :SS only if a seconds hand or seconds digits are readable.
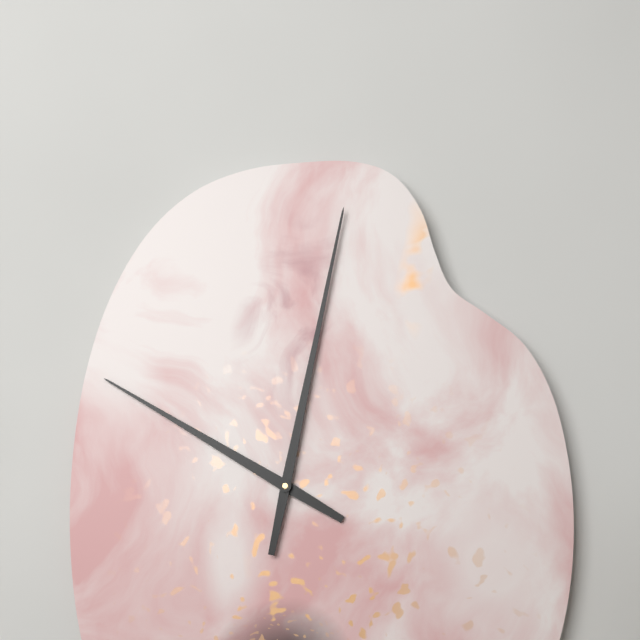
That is 10:02
